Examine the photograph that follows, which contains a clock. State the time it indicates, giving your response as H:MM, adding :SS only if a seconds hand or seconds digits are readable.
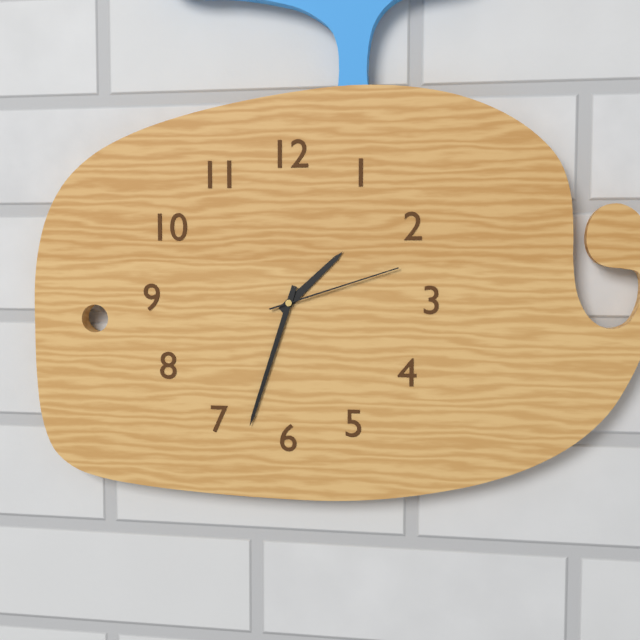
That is 1:33:12
